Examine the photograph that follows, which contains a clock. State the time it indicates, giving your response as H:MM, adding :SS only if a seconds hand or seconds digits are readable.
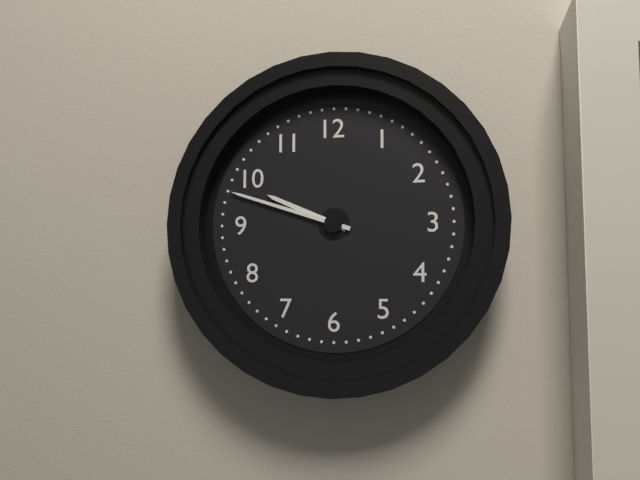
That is 9:48
